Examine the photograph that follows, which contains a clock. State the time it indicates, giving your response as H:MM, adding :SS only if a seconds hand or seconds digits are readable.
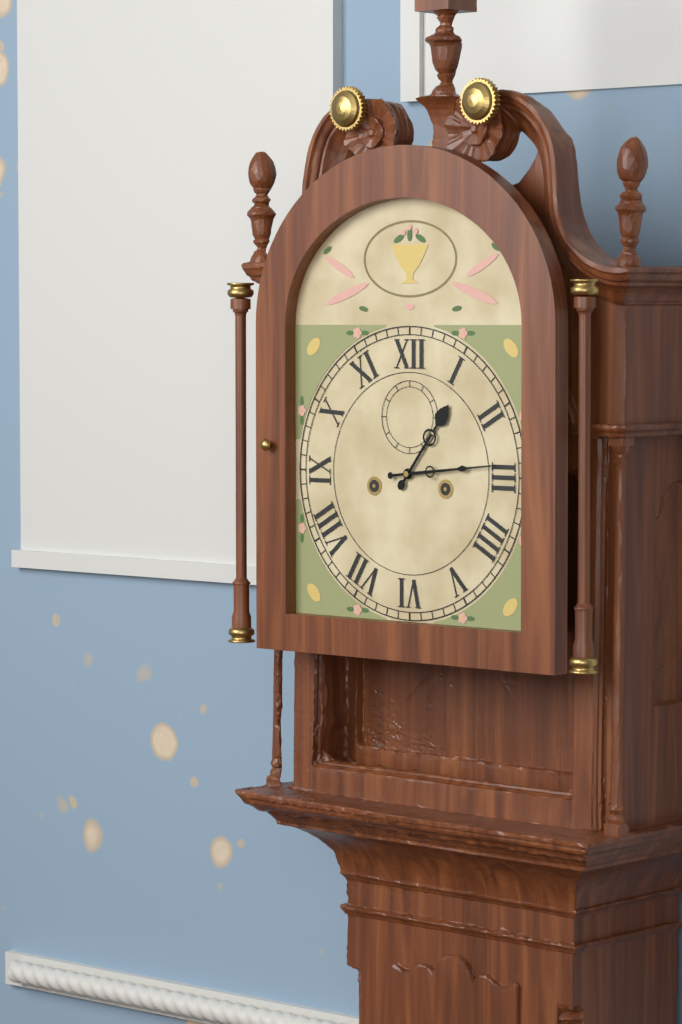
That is 1:14
